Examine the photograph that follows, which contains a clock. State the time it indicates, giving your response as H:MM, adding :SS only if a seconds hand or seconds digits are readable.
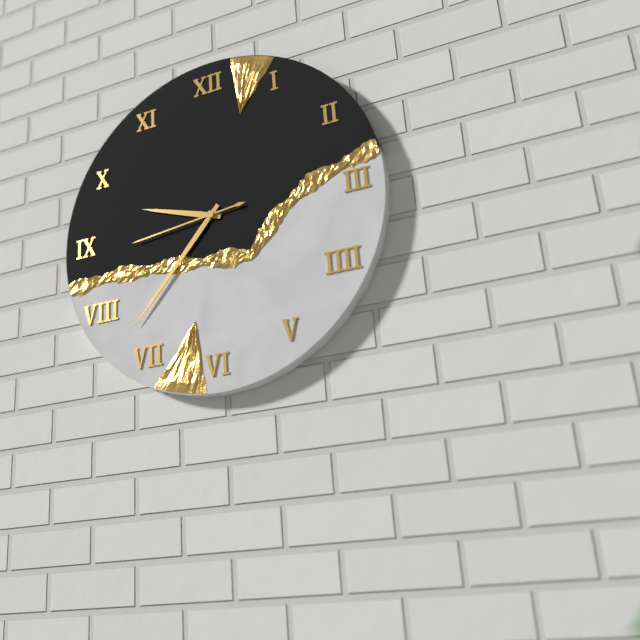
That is 9:37:44
